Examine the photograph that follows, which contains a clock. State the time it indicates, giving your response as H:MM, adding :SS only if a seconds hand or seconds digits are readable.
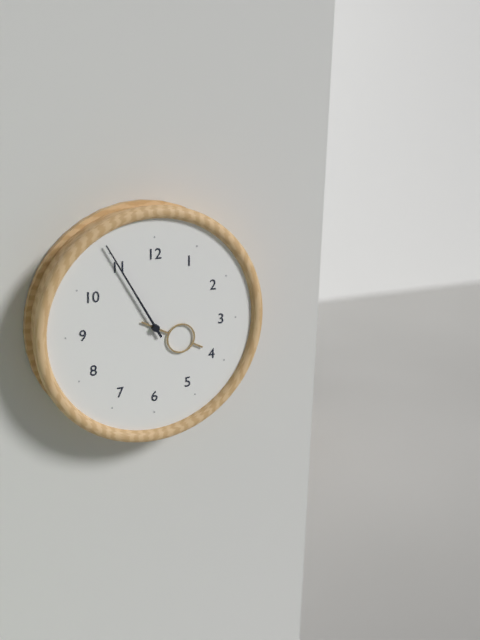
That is 3:55
